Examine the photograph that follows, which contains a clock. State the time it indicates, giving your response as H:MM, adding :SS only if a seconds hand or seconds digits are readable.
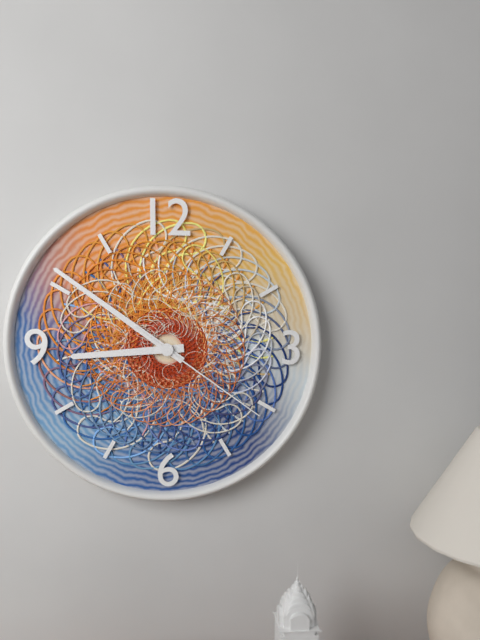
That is 8:51:21
